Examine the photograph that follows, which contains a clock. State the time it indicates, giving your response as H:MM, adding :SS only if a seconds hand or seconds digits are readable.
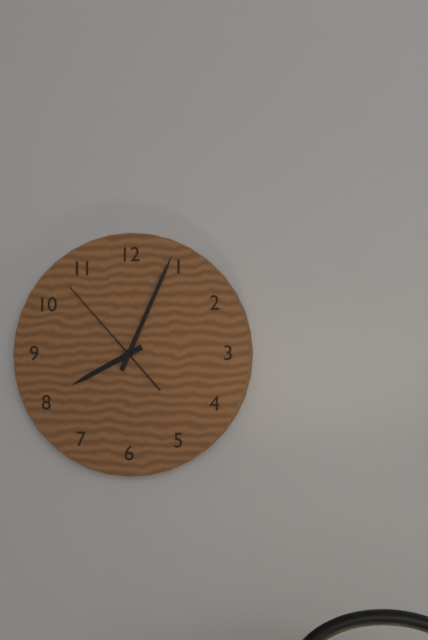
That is 8:04:53
